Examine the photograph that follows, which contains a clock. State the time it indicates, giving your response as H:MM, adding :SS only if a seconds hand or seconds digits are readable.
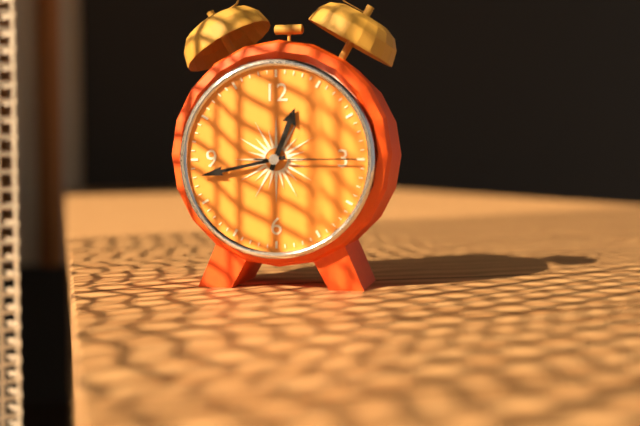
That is 12:43:15
